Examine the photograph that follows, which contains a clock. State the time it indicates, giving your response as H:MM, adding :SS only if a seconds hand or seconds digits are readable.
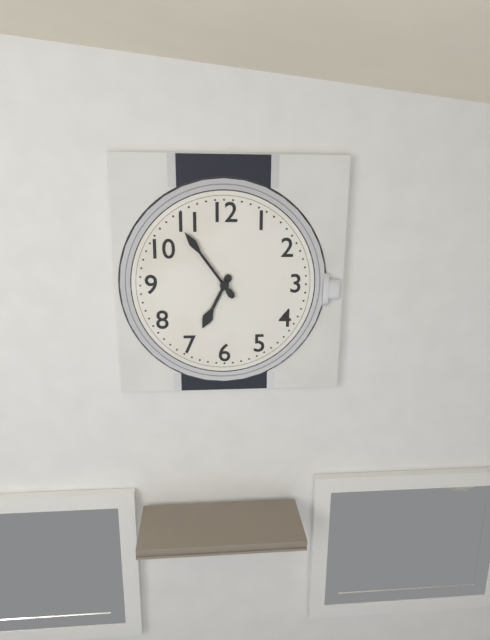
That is 6:54
